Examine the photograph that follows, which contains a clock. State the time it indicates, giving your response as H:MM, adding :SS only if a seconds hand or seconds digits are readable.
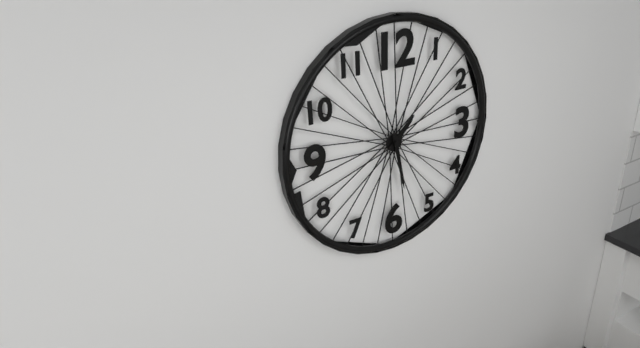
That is 1:28
